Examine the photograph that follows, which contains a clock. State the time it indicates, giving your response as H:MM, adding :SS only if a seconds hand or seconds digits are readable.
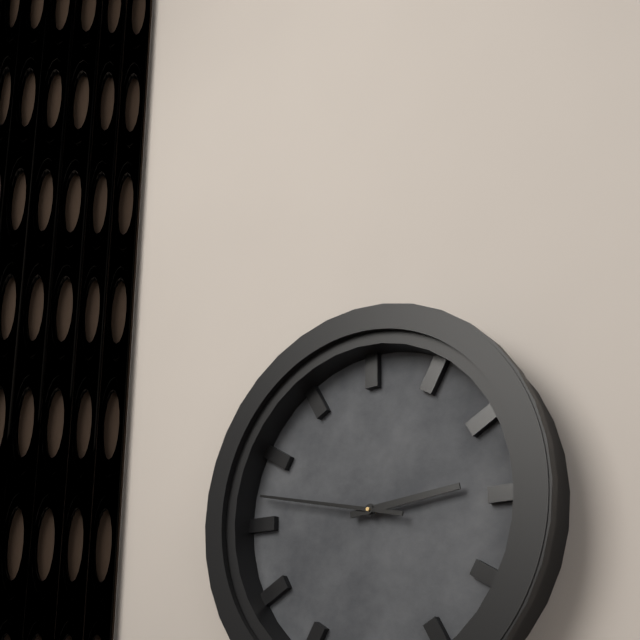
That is 2:47
